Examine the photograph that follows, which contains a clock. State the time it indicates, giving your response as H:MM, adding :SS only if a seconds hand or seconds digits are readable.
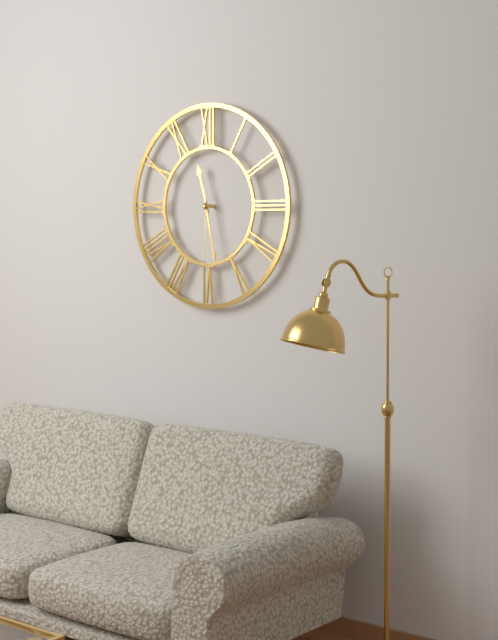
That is 11:28:30
